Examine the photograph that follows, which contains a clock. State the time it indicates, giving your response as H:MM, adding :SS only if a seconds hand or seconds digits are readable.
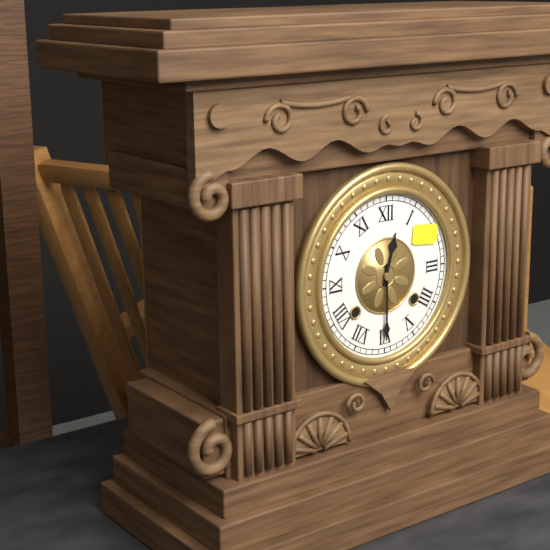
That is 12:30
